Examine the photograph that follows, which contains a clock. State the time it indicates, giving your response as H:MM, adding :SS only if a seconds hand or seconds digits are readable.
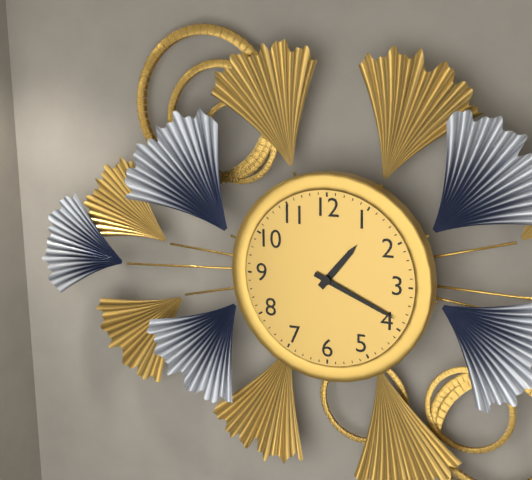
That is 1:19
